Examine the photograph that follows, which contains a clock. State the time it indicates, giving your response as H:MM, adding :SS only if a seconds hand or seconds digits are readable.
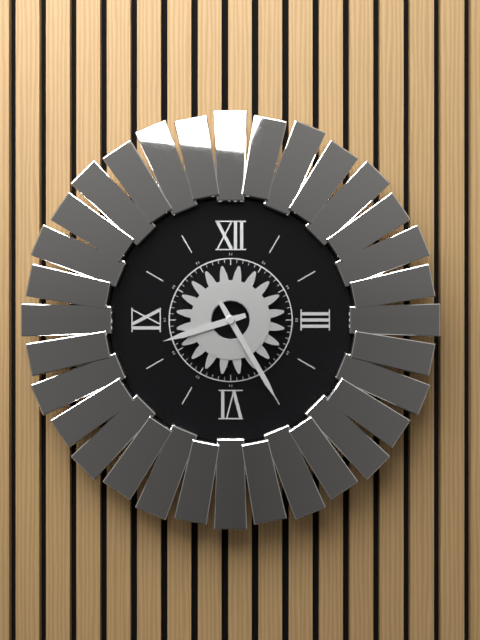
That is 8:25
